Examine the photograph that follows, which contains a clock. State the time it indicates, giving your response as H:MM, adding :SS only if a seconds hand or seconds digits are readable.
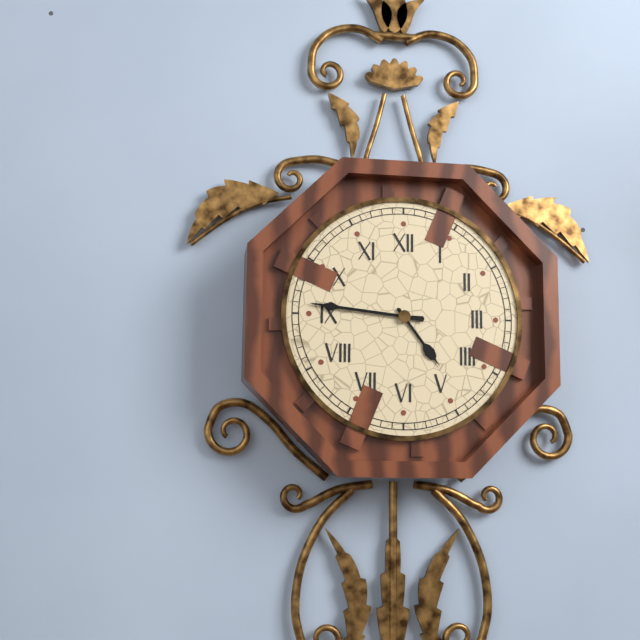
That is 4:46
